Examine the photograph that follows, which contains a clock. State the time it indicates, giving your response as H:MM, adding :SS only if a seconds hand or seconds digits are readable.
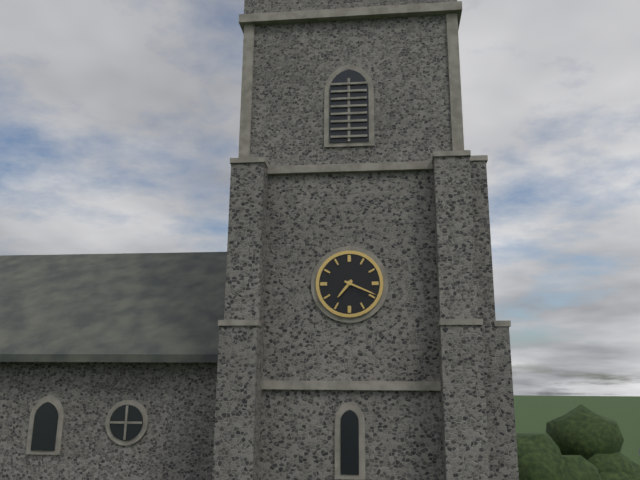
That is 7:19
